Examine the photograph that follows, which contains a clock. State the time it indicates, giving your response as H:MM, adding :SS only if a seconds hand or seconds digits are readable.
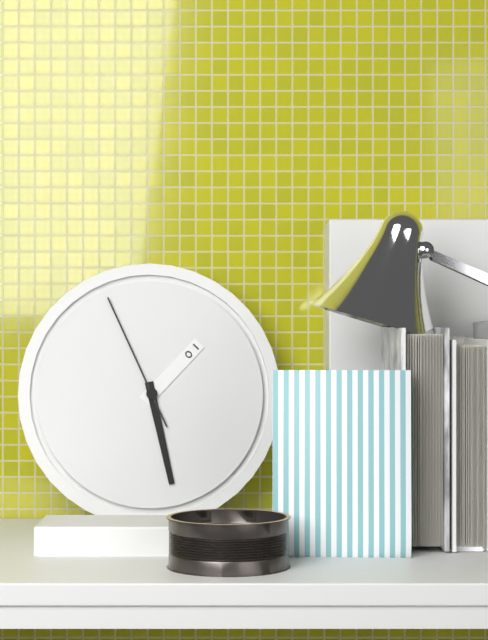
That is 1:28:56
